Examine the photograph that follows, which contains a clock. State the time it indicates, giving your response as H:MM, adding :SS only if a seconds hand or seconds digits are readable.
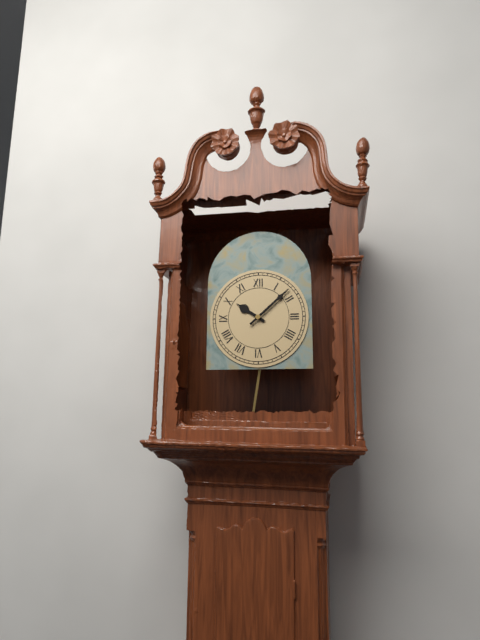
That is 10:08
